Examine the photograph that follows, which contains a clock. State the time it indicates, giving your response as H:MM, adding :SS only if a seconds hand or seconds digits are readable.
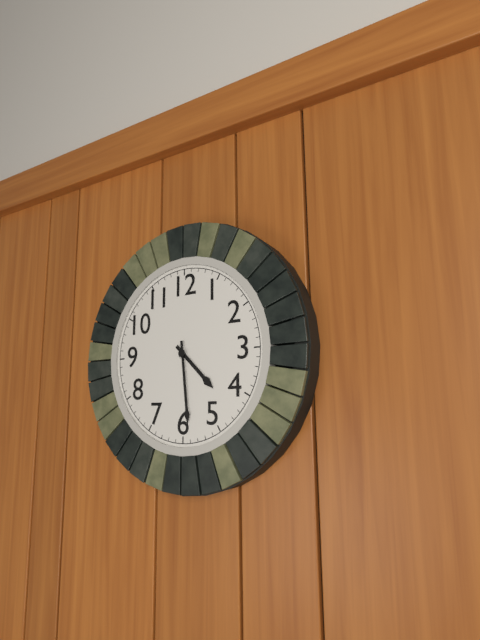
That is 4:29
